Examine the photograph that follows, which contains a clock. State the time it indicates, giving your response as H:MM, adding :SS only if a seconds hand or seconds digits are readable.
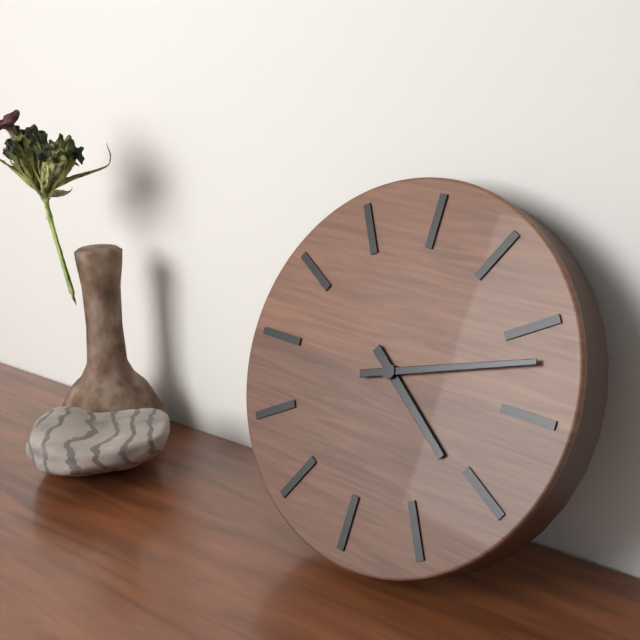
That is 4:12
